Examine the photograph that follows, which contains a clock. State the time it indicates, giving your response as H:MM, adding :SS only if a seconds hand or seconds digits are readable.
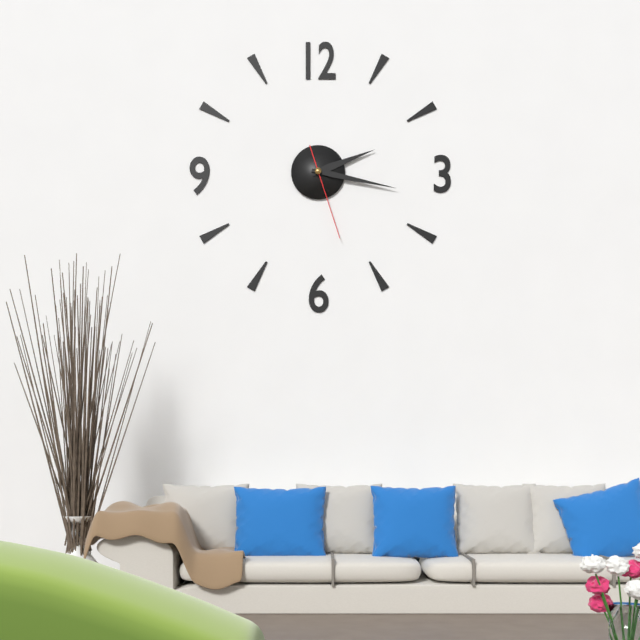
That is 2:17:27
